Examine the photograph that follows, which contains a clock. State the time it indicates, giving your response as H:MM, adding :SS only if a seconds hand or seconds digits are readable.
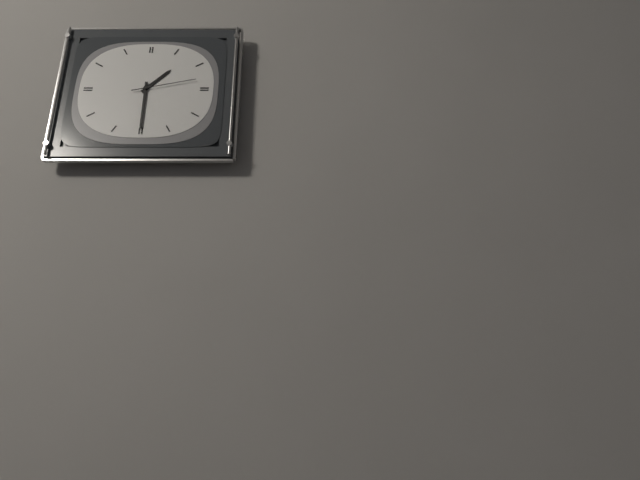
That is 1:30:13
